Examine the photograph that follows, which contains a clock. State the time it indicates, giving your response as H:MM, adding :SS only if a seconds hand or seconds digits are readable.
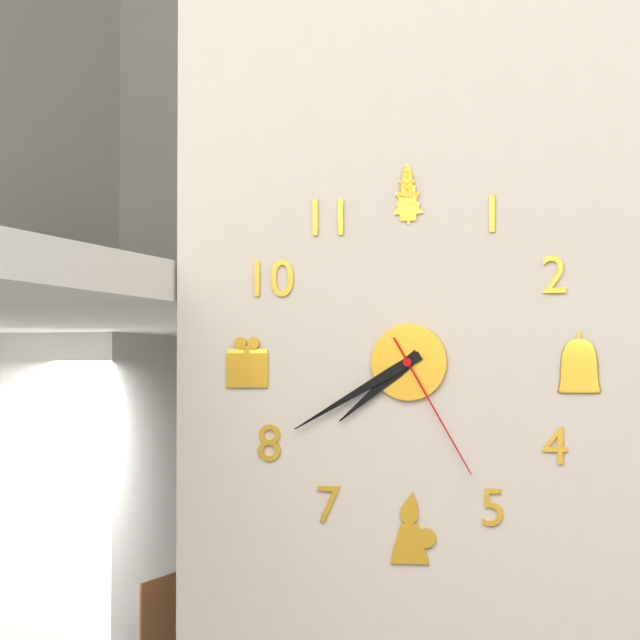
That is 7:40:25
